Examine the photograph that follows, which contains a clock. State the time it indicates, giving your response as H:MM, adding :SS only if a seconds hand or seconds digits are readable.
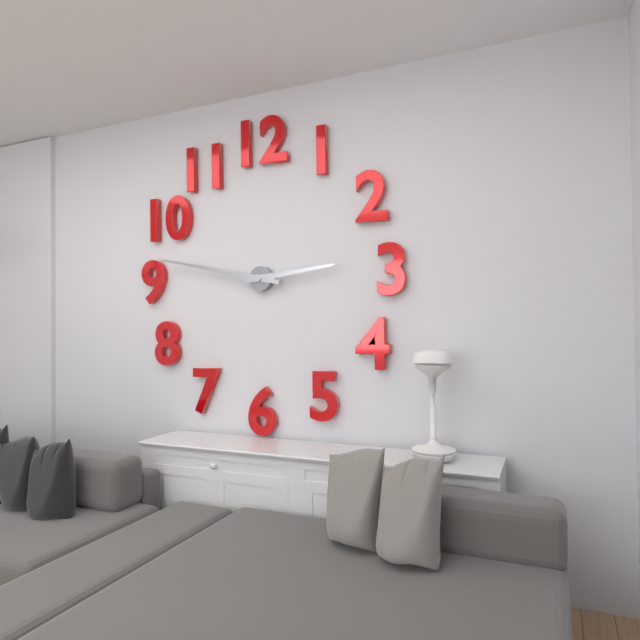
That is 2:47
